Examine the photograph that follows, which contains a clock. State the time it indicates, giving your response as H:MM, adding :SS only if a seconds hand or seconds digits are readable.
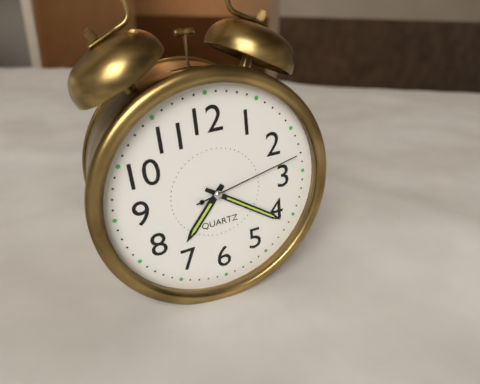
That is 7:21:13
